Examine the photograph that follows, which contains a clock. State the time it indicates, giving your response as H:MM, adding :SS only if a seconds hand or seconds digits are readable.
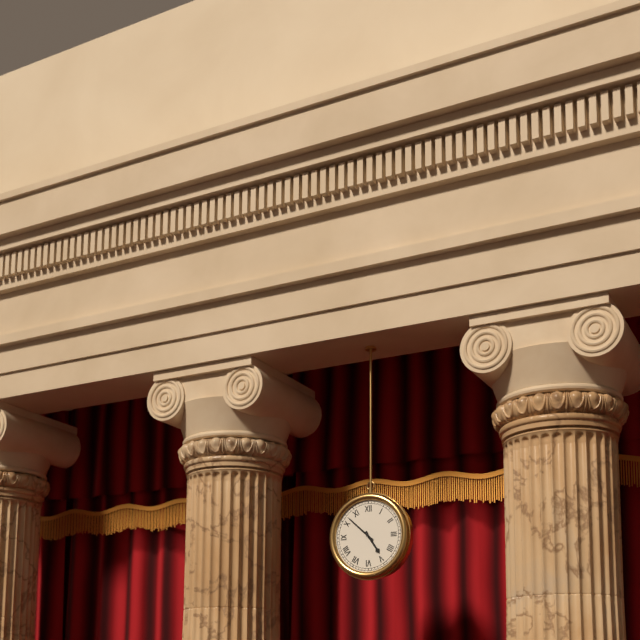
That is 4:52
